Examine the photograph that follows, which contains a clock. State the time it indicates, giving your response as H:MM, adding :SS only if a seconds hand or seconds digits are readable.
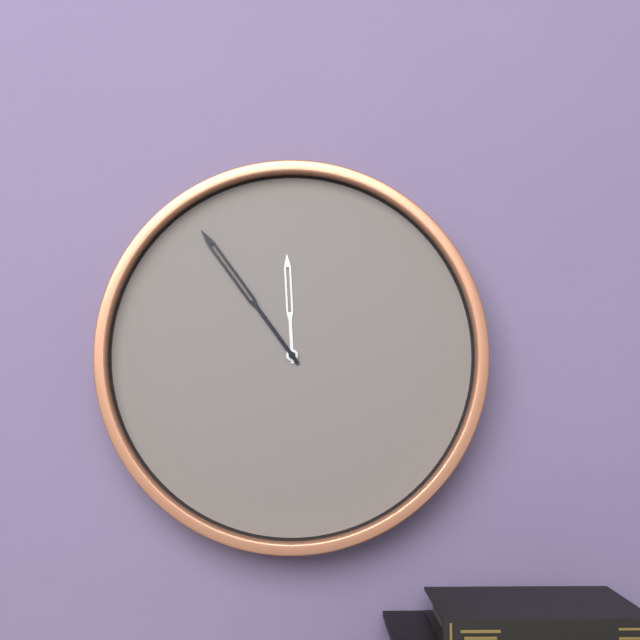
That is 11:54
